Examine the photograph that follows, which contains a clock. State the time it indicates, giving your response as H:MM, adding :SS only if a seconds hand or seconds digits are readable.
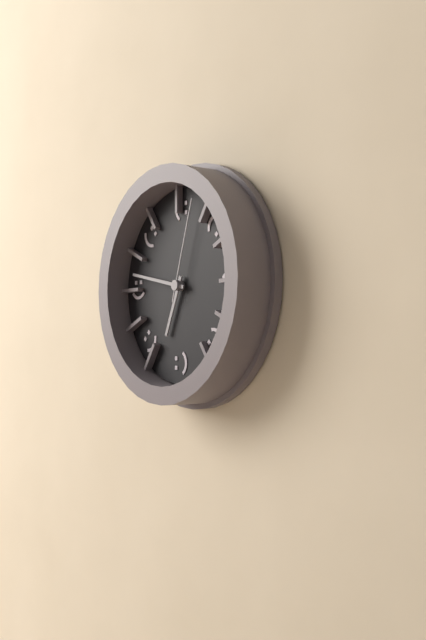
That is 6:47:03
